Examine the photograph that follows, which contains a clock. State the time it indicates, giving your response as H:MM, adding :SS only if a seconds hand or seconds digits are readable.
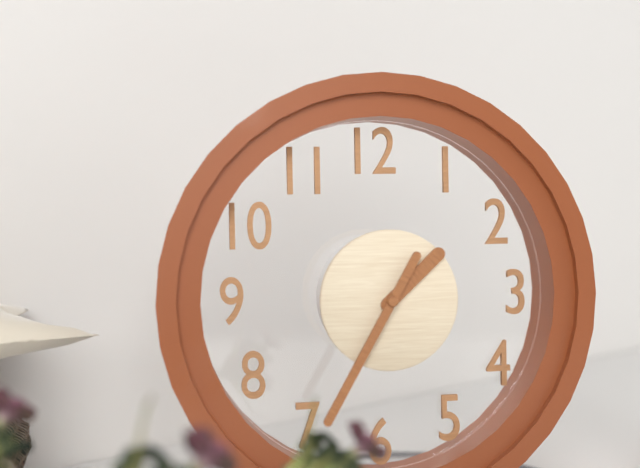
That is 1:35
